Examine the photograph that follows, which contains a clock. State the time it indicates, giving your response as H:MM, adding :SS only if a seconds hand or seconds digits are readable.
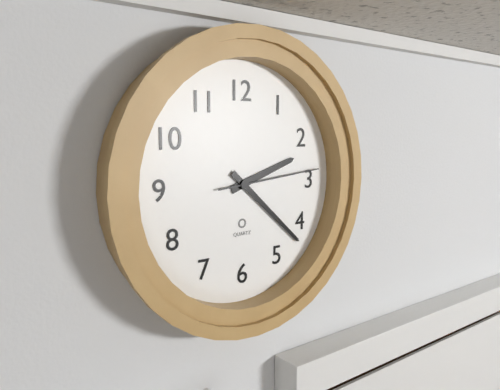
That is 2:22:14
